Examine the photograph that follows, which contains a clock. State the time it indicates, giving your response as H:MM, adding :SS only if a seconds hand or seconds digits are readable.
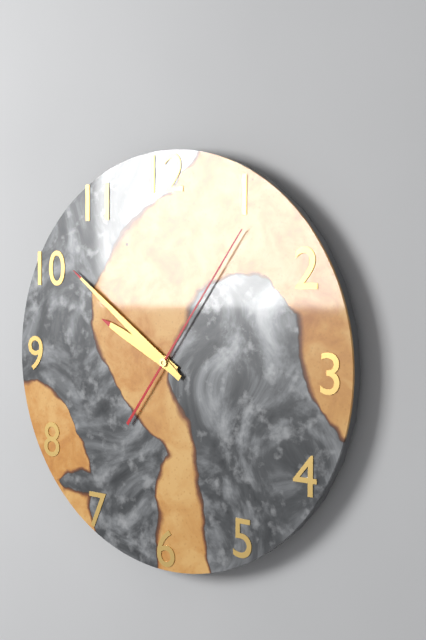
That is 9:51:06
